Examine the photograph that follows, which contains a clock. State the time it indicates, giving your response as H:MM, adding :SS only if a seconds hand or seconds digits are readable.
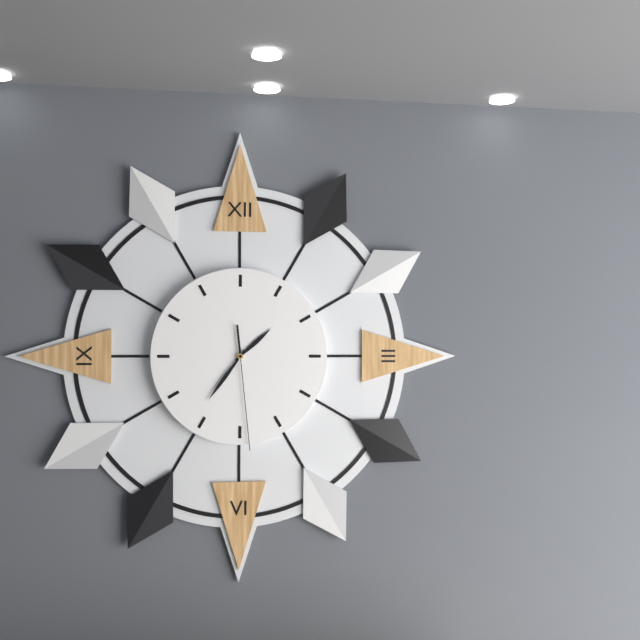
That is 1:36:29
